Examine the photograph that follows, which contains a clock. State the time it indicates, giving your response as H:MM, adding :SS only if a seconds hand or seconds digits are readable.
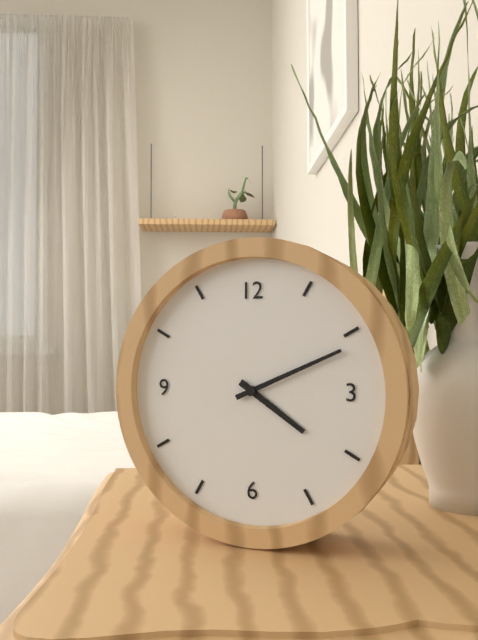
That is 4:11
